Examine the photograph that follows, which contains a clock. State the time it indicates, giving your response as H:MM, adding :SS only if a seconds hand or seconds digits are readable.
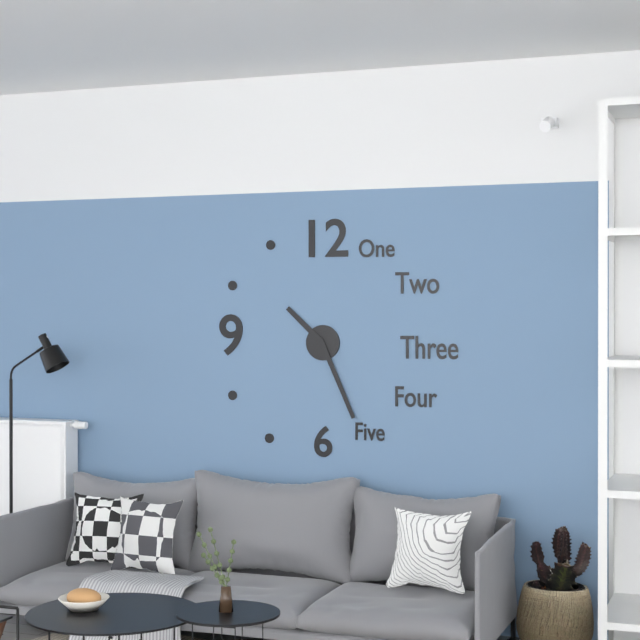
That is 10:26
